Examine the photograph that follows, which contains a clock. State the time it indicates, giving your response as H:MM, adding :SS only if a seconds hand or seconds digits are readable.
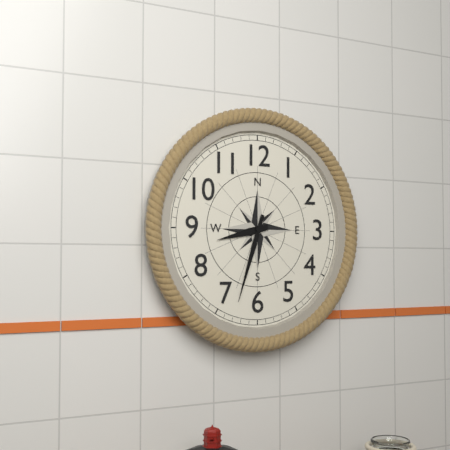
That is 8:33
